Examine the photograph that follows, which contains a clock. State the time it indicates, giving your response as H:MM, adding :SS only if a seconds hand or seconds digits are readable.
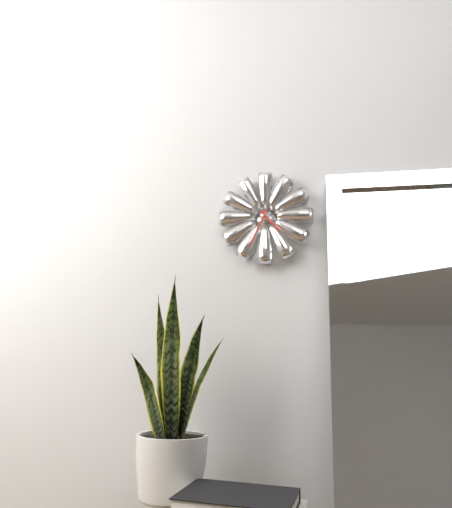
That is 4:34
